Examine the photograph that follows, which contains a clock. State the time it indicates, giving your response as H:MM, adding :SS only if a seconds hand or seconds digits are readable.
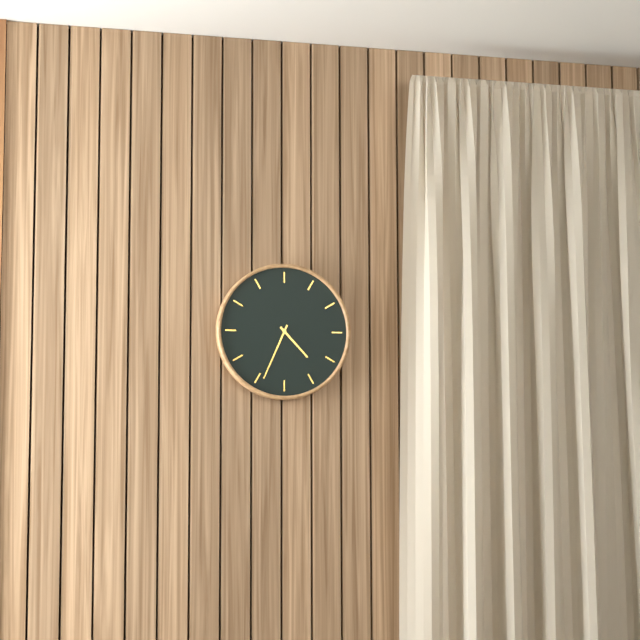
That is 4:34
